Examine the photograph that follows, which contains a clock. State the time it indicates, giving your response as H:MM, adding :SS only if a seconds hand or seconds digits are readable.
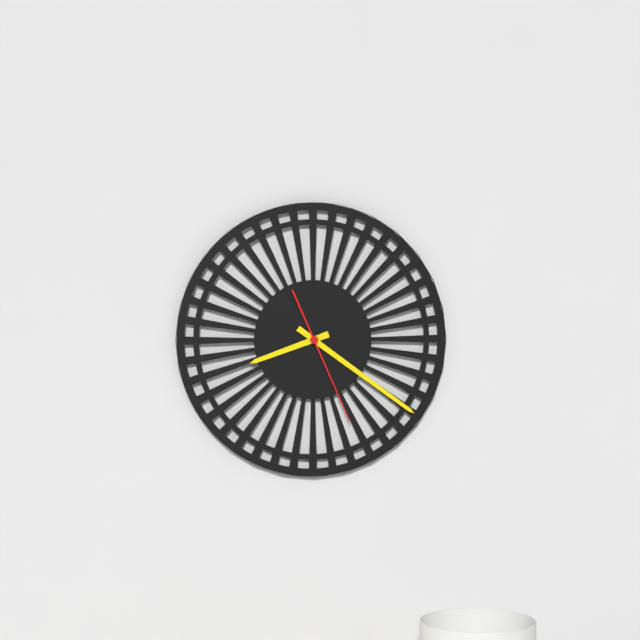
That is 8:21:26
